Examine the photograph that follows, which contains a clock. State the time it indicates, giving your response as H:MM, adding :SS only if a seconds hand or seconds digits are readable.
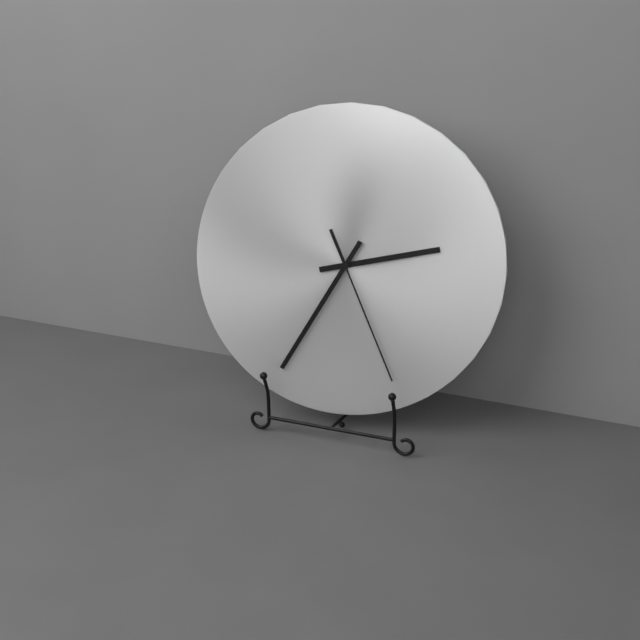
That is 2:35:26
